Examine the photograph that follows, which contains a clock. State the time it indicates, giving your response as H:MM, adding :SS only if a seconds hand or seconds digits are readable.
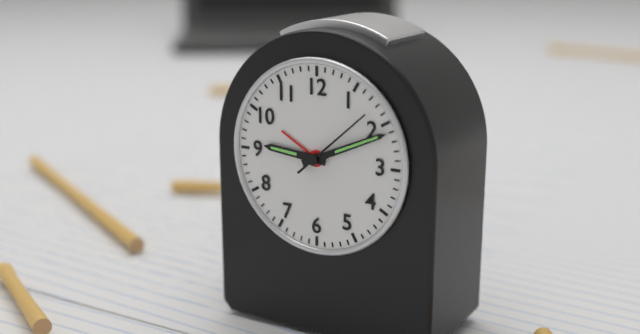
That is 9:11:08
